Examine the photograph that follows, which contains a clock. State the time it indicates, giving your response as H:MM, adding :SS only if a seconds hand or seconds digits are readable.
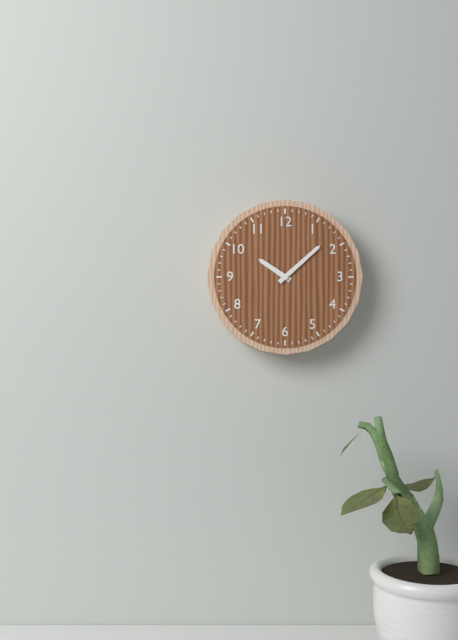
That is 10:08
